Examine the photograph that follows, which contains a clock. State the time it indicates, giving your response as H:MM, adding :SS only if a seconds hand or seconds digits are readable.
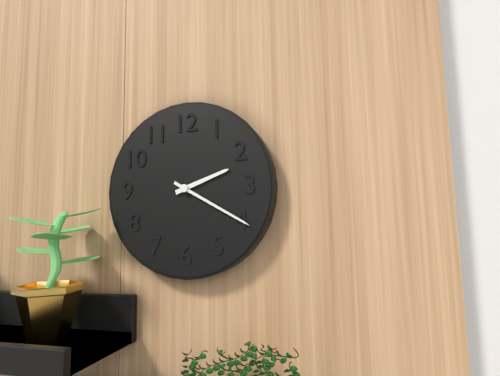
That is 2:20
